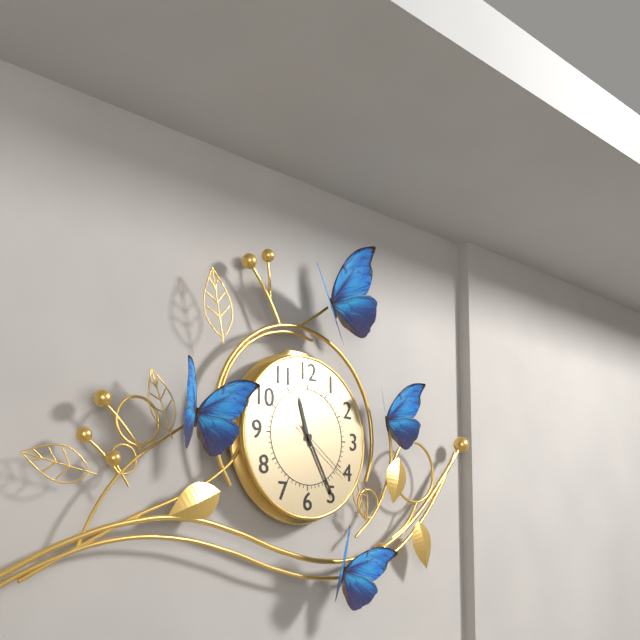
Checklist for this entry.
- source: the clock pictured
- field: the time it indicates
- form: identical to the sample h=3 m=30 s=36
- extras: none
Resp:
h=11 m=25 s=21
